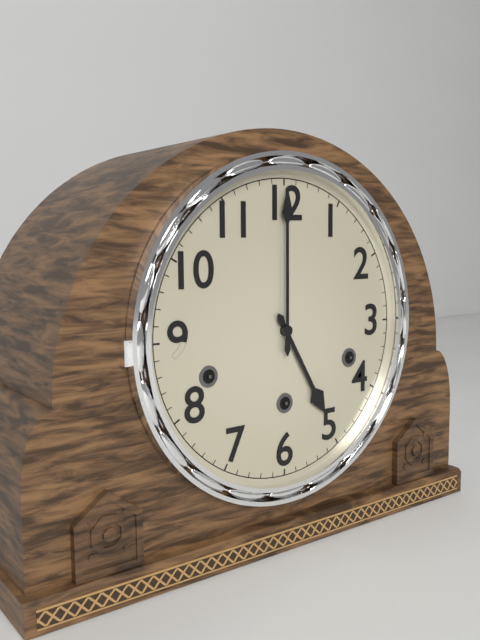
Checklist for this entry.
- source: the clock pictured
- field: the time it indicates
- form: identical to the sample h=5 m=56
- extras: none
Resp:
h=5 m=0
